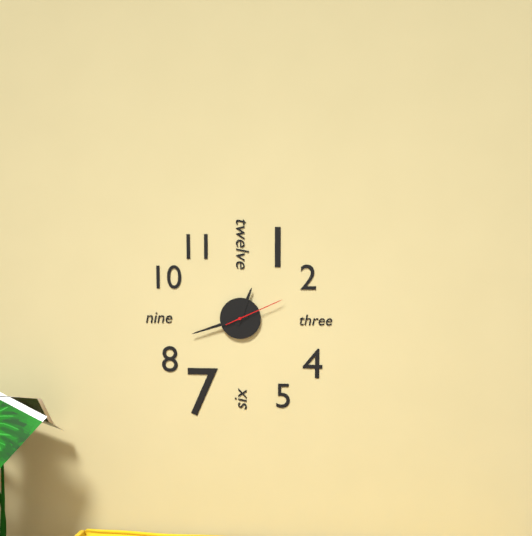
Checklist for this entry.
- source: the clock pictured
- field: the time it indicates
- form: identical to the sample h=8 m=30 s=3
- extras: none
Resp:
h=12 m=42 s=11
